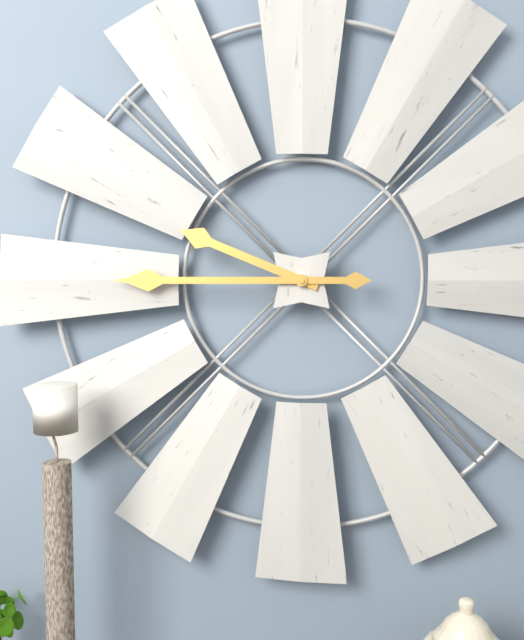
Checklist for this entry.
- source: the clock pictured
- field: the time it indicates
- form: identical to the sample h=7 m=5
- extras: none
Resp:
h=9 m=45
